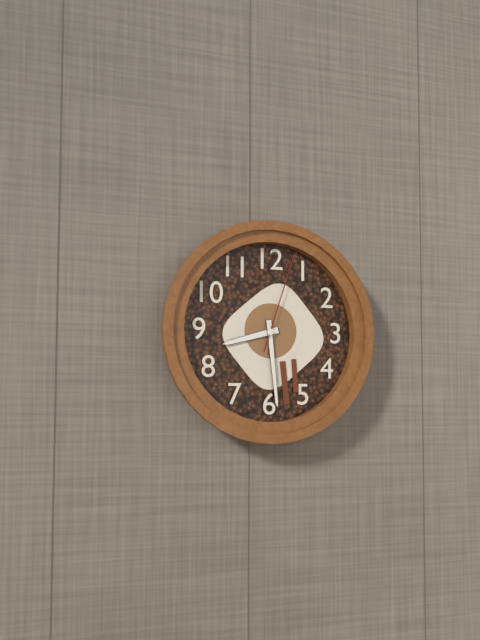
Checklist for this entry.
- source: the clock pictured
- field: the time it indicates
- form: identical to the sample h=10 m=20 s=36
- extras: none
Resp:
h=8 m=29 s=3
